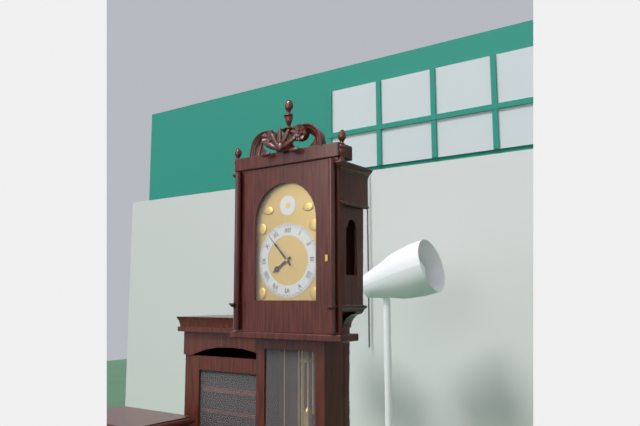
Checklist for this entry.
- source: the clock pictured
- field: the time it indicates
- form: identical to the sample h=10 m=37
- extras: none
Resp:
h=7 m=53
